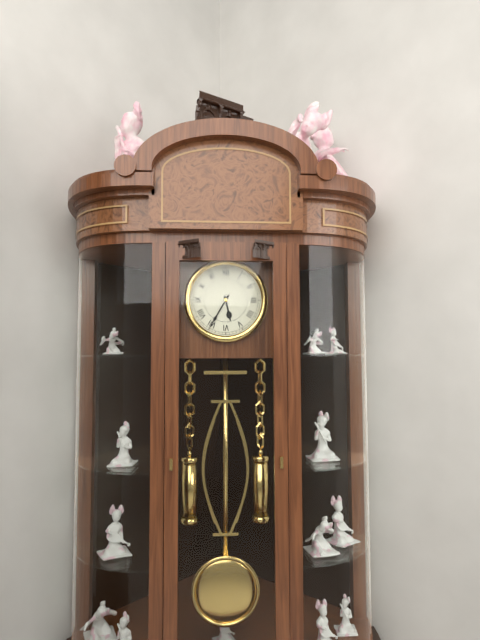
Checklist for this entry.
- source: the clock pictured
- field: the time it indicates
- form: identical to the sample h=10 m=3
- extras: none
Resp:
h=5 m=35
